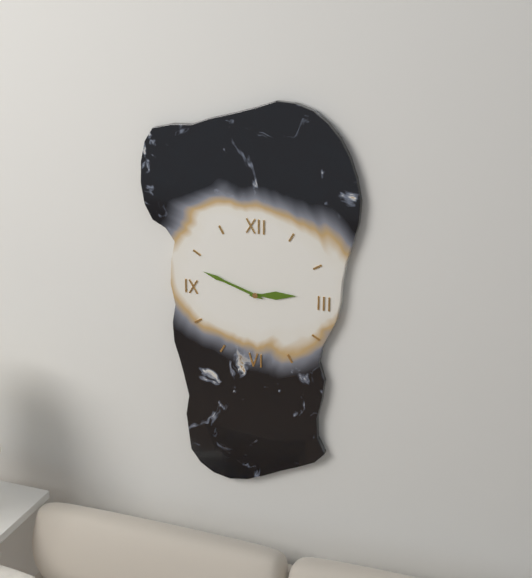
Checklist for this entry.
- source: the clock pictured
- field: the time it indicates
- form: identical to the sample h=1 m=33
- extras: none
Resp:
h=2 m=48
